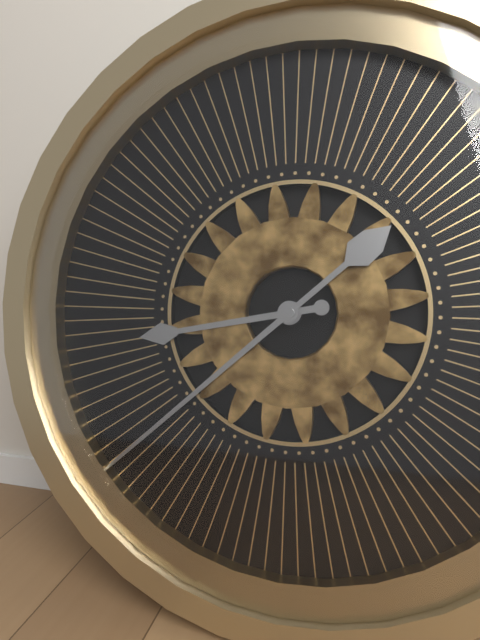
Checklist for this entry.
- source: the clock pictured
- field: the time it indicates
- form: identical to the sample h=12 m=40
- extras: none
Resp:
h=8 m=38
